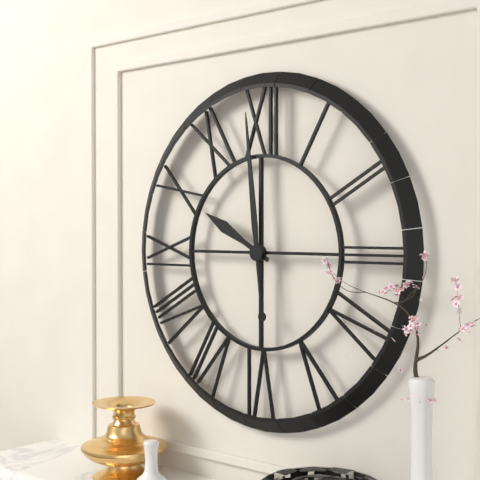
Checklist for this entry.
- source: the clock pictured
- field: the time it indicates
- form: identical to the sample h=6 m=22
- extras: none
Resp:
h=9 m=59
